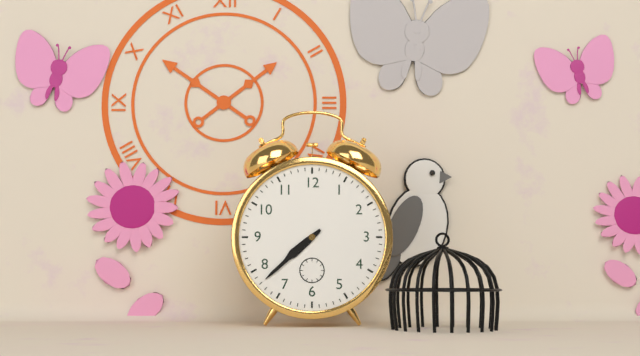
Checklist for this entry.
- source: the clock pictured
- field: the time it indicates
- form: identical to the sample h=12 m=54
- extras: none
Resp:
h=7 m=38
